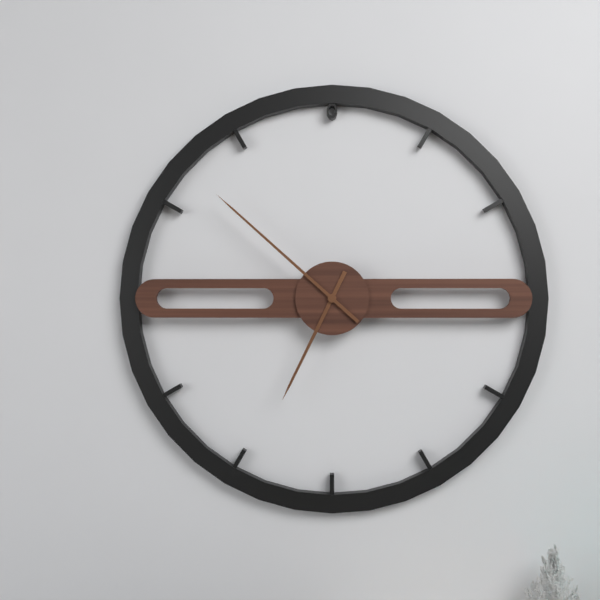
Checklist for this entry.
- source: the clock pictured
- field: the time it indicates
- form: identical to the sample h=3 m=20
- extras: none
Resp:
h=6 m=52
